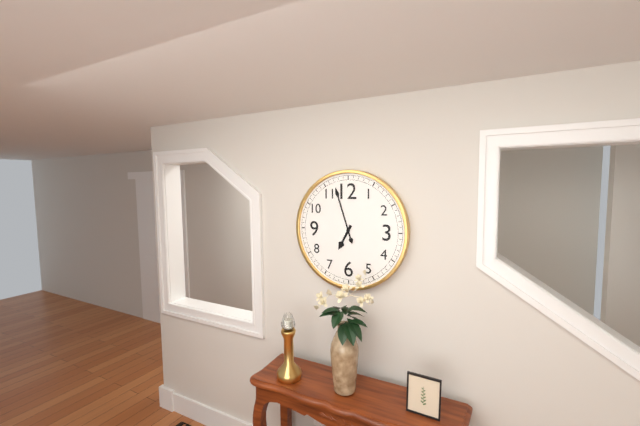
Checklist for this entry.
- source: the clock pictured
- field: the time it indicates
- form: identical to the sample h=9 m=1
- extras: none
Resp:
h=6 m=57
